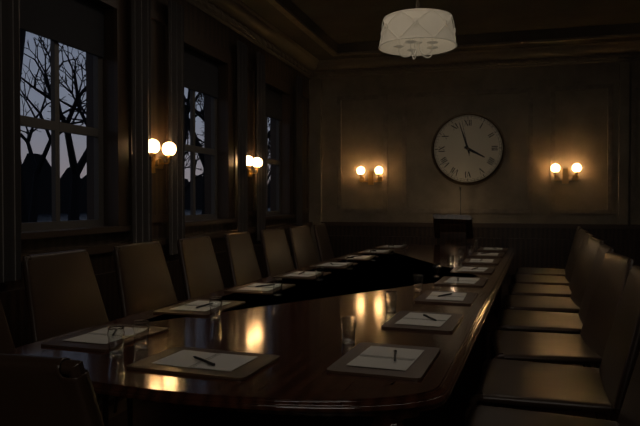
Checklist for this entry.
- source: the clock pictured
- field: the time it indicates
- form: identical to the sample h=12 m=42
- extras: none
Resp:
h=3 m=57
